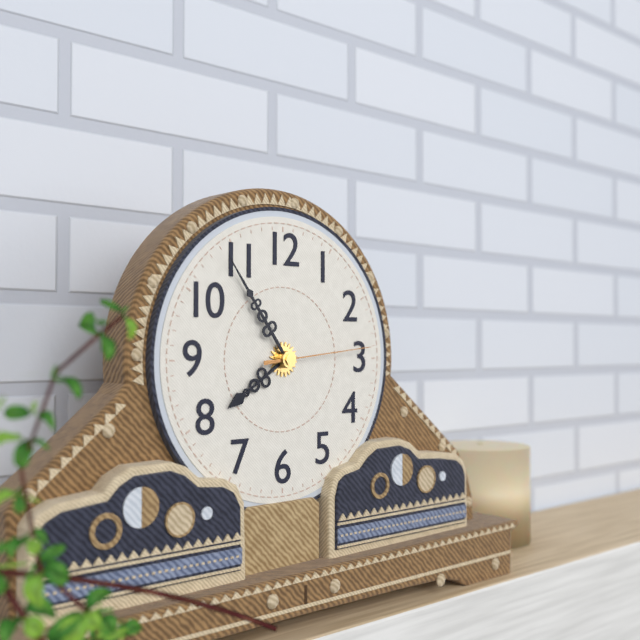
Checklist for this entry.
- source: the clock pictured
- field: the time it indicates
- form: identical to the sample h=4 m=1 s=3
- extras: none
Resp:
h=7 m=54 s=14
